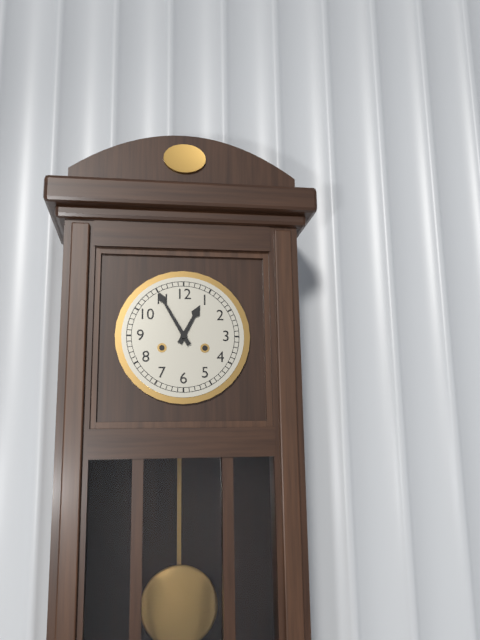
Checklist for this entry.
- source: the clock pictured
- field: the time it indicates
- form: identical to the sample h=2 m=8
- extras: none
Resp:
h=12 m=55
